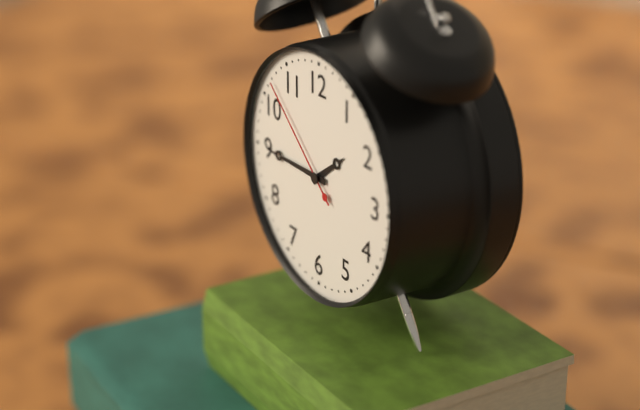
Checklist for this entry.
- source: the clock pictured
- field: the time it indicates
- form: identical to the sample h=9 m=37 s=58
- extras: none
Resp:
h=1 m=45 s=52
